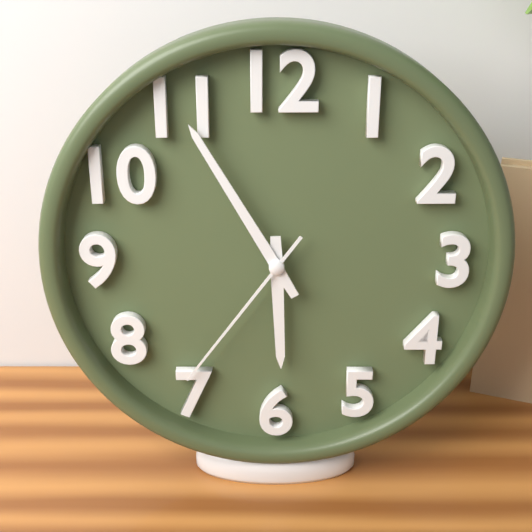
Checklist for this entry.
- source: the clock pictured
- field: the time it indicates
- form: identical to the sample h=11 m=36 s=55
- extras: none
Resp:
h=5 m=55 s=36
